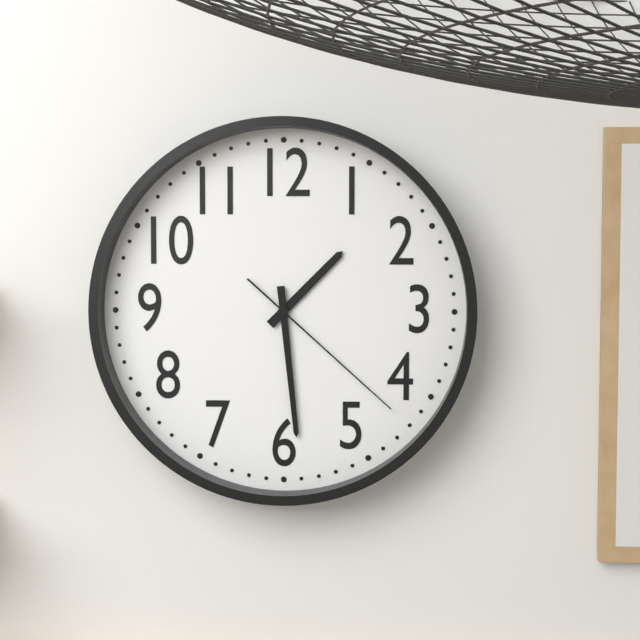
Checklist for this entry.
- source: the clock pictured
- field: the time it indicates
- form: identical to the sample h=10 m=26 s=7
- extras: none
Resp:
h=1 m=29 s=22
